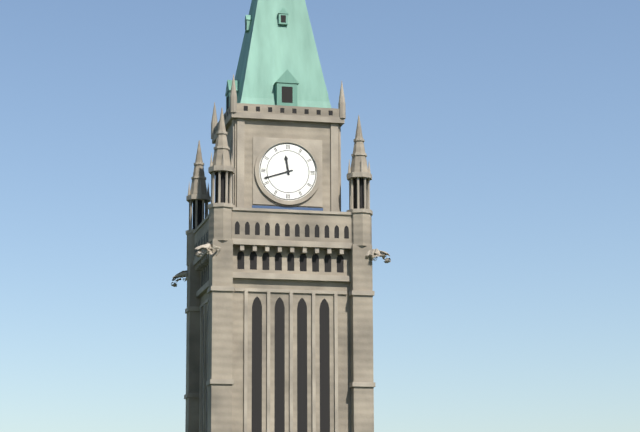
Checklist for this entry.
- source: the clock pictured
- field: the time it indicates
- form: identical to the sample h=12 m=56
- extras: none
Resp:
h=11 m=42
